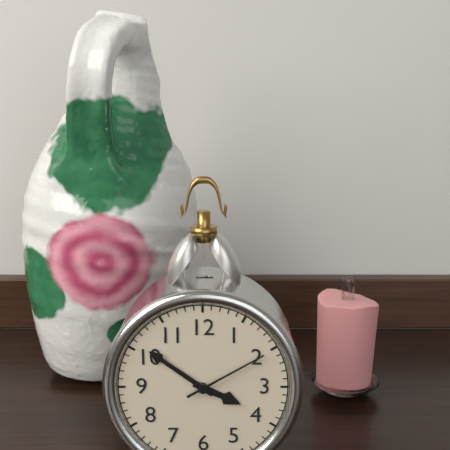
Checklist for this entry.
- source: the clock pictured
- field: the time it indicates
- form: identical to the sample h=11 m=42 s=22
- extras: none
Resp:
h=3 m=51 s=10
